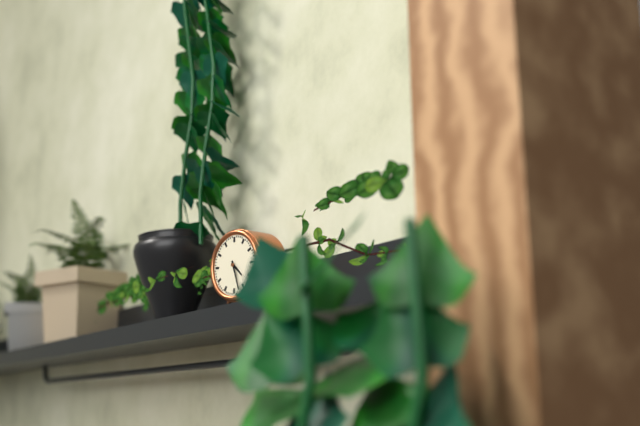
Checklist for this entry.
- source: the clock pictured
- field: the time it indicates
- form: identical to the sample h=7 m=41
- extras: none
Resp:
h=4 m=27
